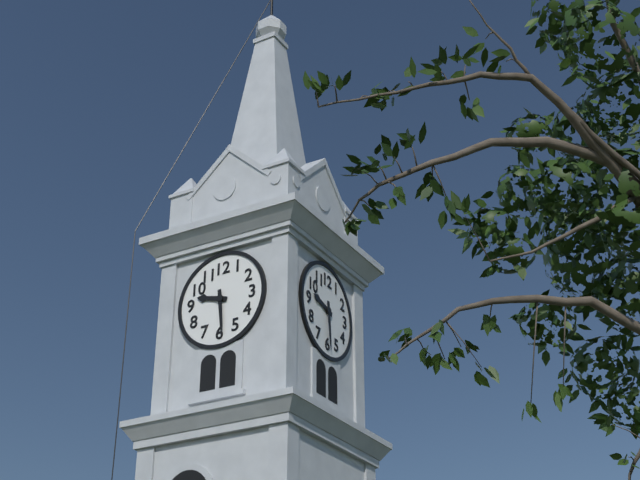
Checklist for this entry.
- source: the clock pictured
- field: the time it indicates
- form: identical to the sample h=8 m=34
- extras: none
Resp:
h=9 m=29
